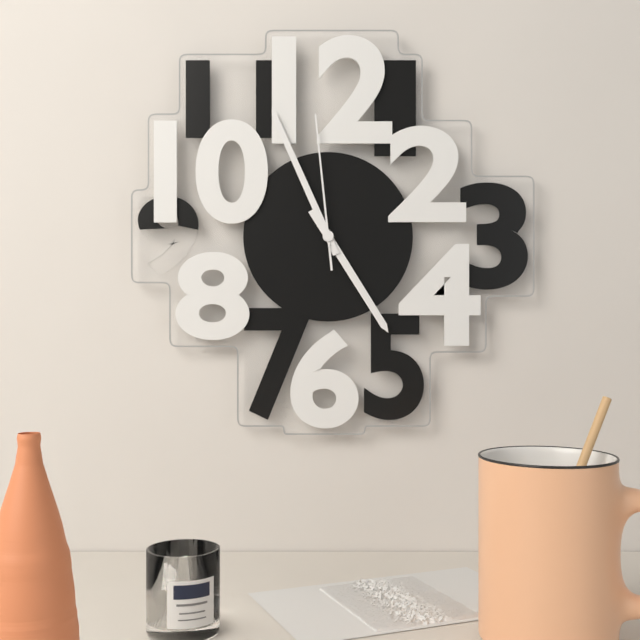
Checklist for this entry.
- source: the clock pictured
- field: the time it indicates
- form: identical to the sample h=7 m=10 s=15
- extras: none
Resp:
h=4 m=56 s=59
